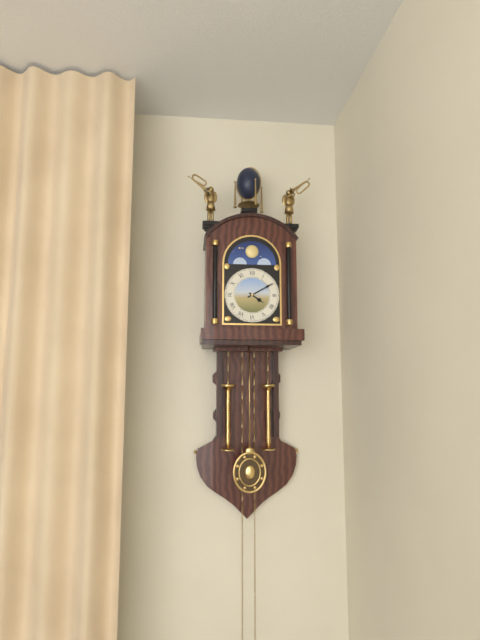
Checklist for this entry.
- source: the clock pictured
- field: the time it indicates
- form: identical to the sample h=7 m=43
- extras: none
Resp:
h=4 m=10
